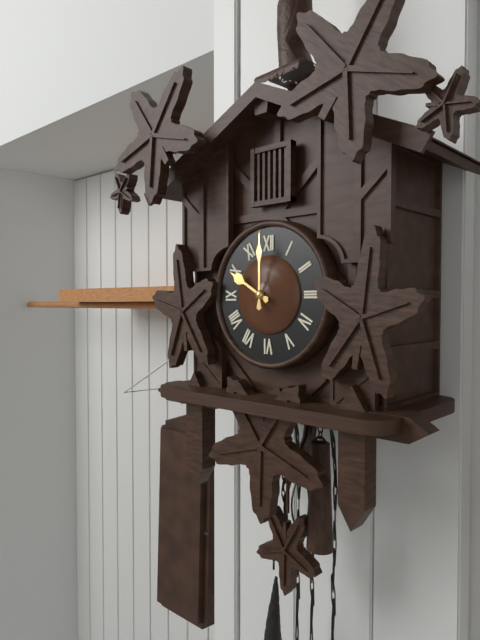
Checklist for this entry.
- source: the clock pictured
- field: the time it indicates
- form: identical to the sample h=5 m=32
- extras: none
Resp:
h=10 m=0
